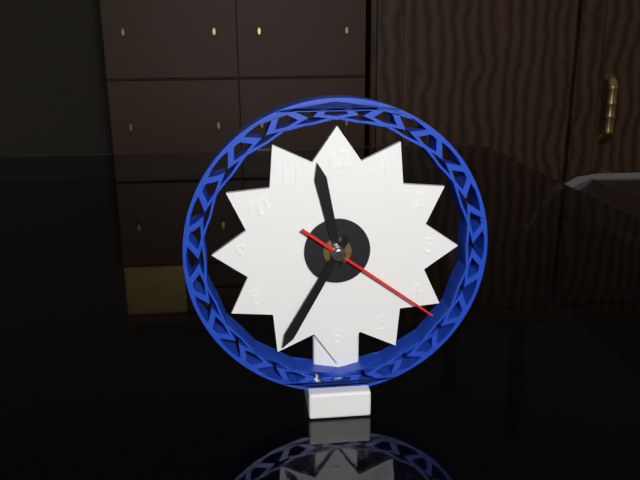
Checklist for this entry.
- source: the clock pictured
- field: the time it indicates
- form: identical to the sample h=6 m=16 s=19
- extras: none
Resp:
h=11 m=35 s=21
